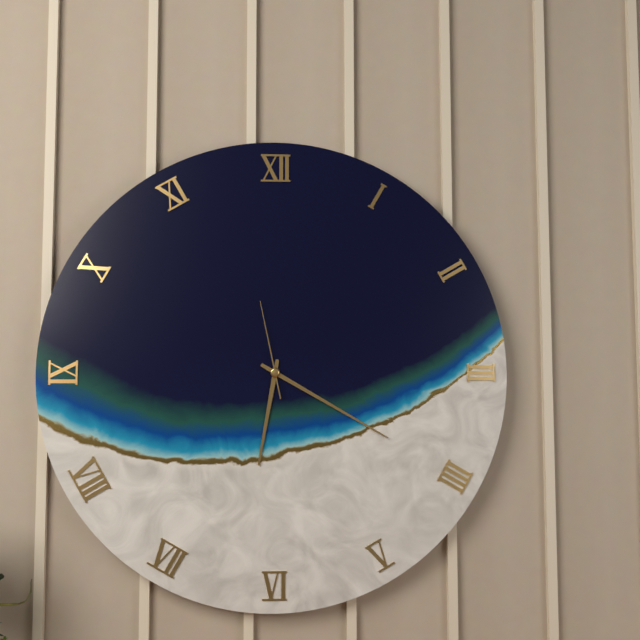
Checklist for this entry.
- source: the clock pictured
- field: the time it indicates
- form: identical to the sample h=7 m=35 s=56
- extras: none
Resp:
h=6 m=20 s=58
